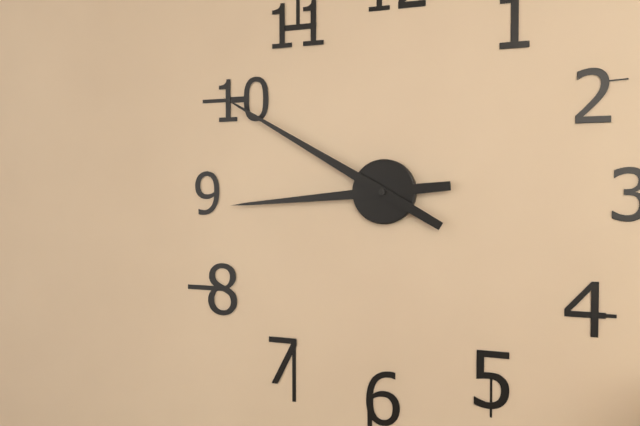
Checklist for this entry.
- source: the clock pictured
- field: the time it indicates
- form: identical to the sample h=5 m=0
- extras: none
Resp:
h=8 m=50
